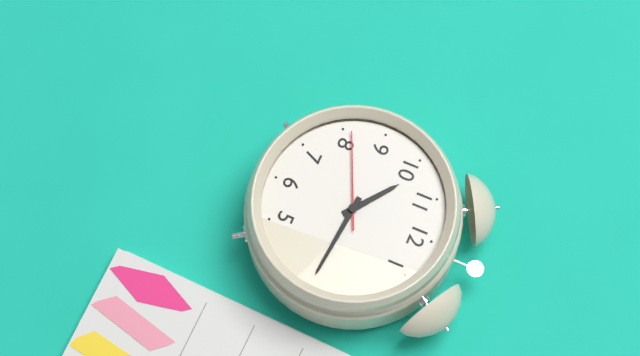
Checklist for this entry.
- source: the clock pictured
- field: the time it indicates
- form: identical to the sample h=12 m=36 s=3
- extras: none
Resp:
h=10 m=16 s=41
